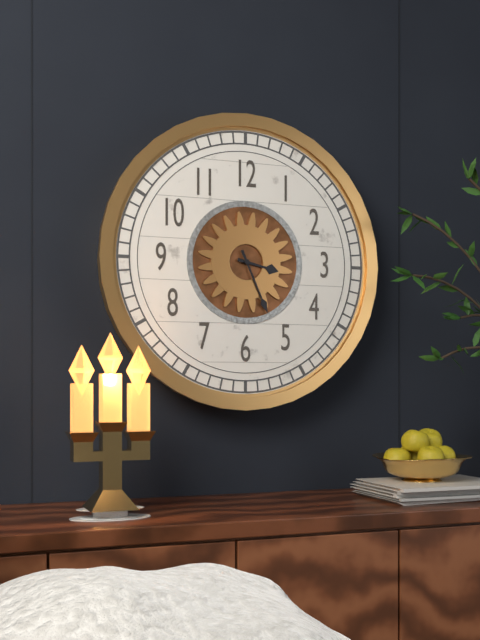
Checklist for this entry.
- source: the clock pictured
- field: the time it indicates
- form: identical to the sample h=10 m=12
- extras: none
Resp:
h=3 m=26
